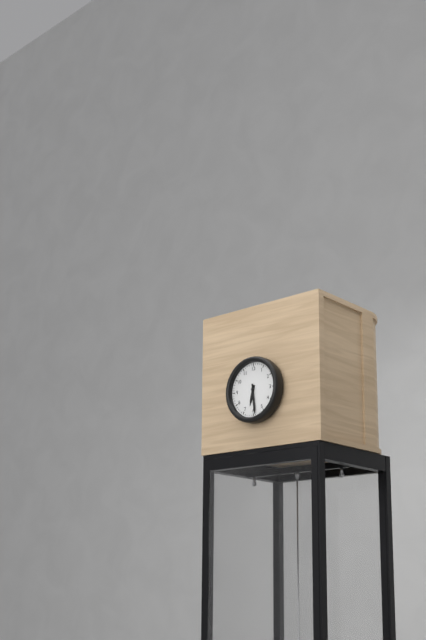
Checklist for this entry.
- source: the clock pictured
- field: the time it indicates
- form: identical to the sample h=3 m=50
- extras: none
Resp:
h=6 m=29
